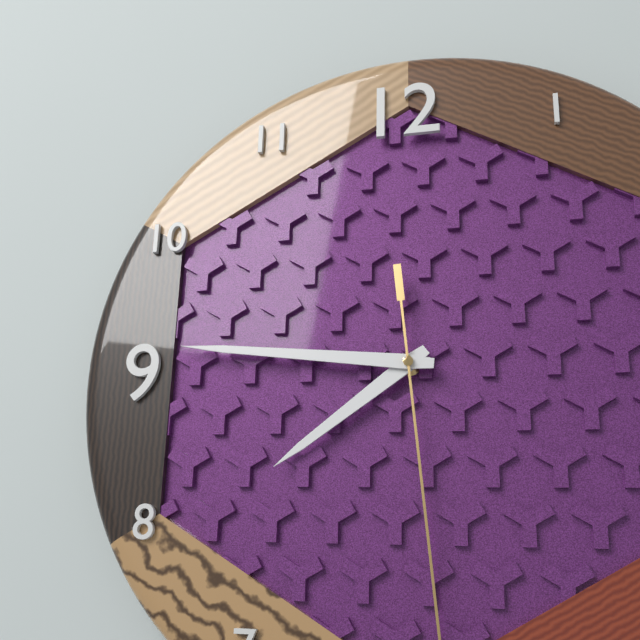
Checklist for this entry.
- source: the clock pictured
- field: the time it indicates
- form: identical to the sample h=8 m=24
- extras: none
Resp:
h=7 m=46
